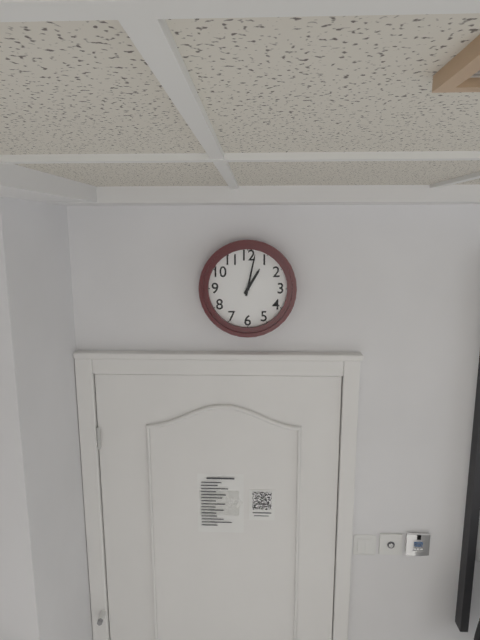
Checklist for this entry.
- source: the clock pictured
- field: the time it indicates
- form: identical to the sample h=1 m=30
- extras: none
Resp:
h=1 m=2
